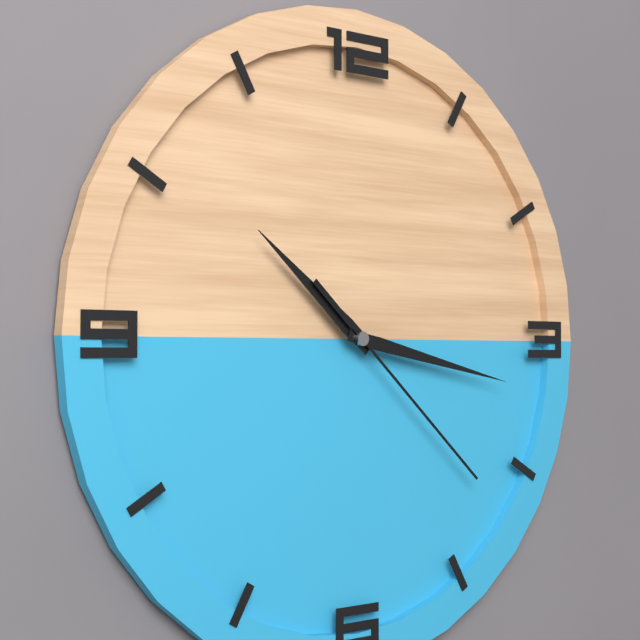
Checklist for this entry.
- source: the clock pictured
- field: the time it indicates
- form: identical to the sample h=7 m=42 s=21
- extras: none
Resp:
h=10 m=17 s=22
